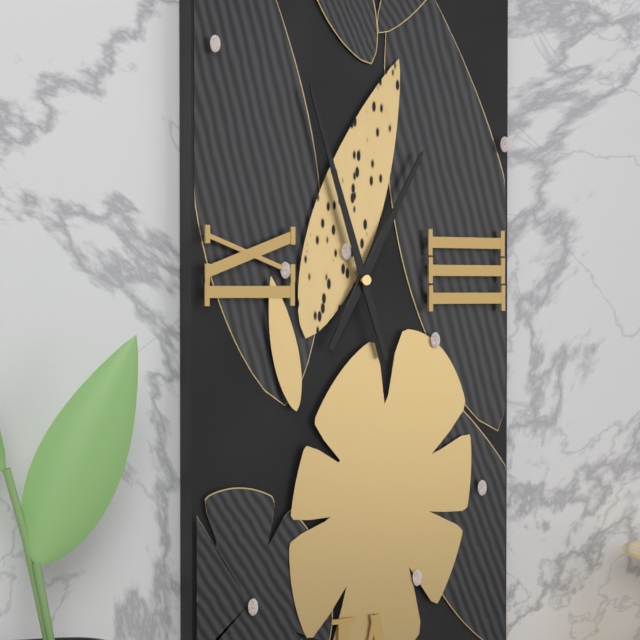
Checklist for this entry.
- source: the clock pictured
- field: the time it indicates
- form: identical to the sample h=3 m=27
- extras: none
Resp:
h=12 m=57
